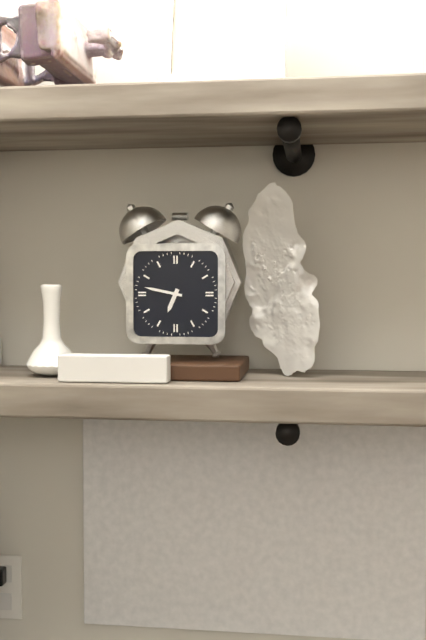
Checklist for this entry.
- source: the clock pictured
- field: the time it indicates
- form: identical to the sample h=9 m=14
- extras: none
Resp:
h=6 m=47
